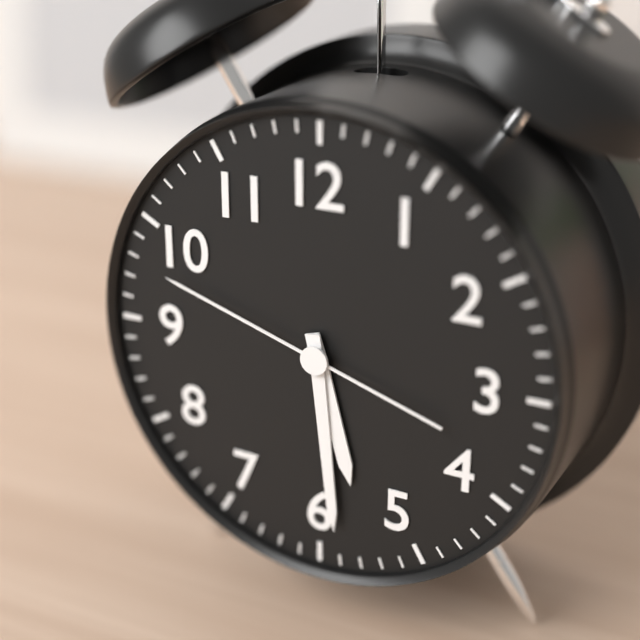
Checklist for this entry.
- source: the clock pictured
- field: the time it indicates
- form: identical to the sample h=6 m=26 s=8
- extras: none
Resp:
h=5 m=29 s=48
